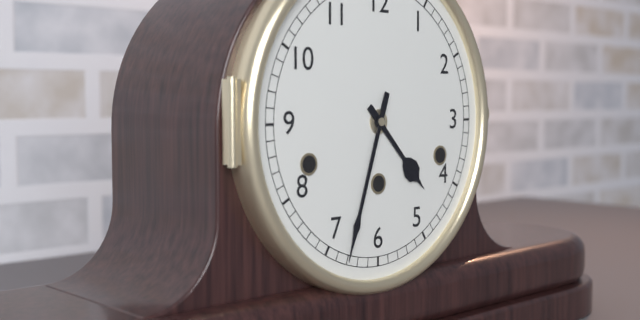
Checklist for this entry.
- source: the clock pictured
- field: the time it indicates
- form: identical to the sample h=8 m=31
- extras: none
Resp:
h=4 m=33
